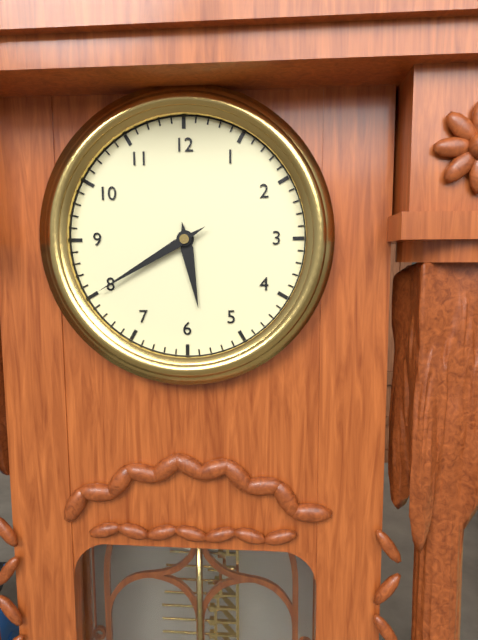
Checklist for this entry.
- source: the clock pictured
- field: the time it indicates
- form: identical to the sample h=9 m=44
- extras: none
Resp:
h=5 m=40
